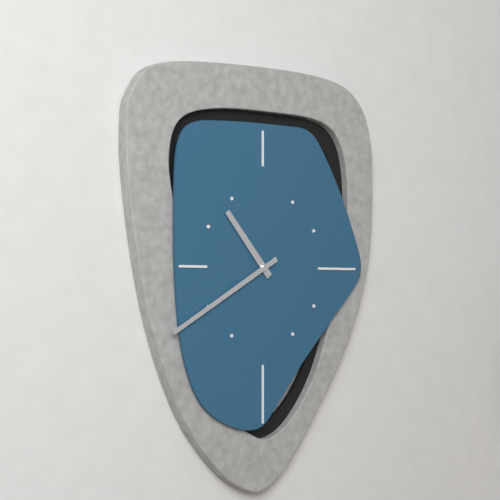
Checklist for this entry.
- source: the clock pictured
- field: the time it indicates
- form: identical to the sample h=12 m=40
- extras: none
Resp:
h=10 m=40
